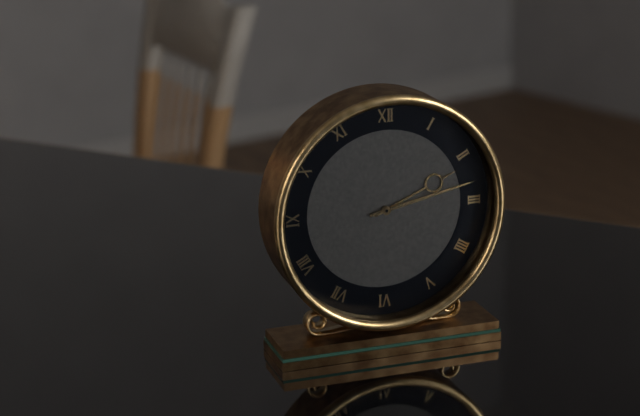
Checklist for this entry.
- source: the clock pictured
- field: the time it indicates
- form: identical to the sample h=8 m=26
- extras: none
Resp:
h=2 m=13
